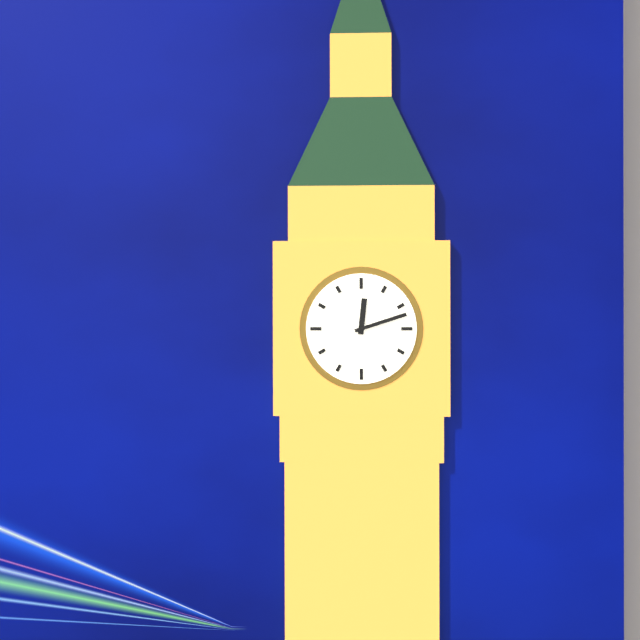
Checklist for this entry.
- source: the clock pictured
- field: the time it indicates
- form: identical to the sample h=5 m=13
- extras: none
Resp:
h=12 m=12
